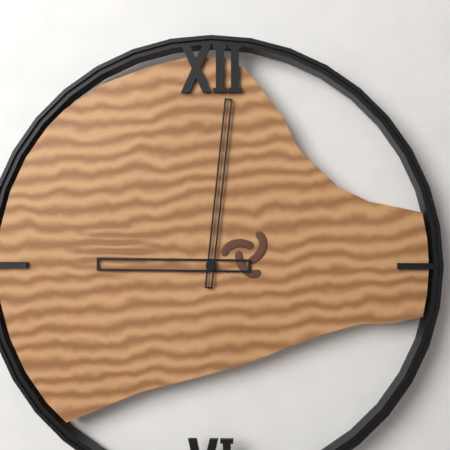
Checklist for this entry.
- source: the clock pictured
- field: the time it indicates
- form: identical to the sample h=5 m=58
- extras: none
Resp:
h=9 m=1
